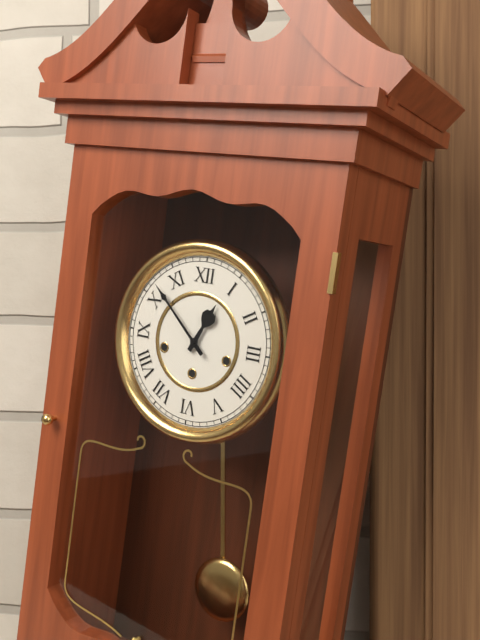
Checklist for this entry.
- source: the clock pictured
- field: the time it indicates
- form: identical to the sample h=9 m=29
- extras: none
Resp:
h=12 m=52
